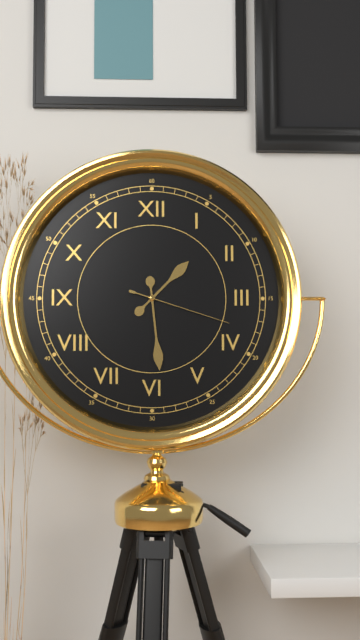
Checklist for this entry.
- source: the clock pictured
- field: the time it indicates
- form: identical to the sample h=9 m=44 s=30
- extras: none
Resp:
h=1 m=29 s=18
